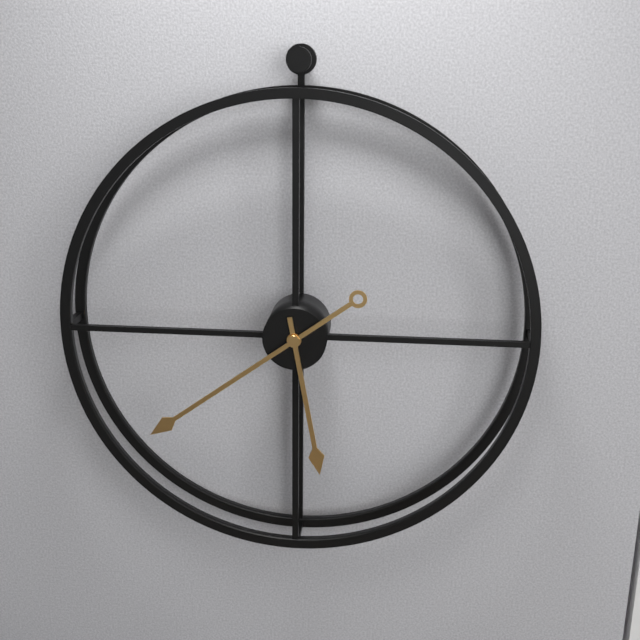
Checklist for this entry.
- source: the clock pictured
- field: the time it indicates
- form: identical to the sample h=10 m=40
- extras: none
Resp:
h=5 m=39
